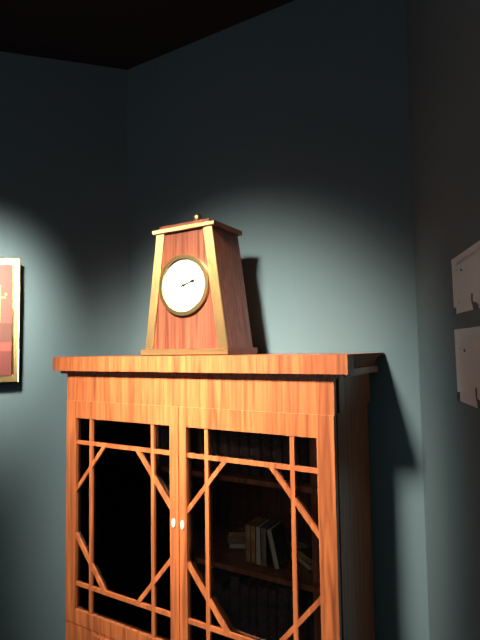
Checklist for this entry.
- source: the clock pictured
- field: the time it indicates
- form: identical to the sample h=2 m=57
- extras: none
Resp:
h=2 m=25
